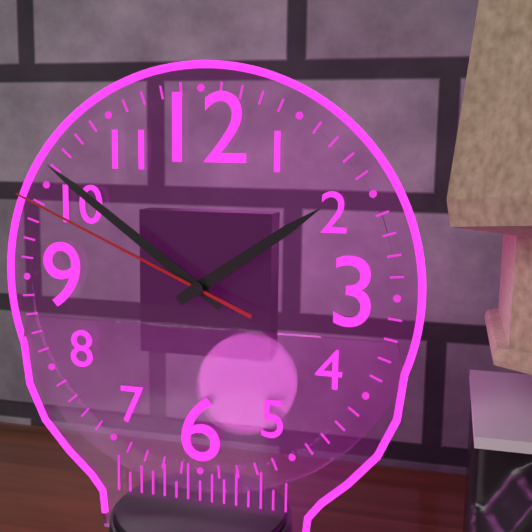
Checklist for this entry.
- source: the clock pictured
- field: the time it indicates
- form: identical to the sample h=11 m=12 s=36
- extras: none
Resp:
h=1 m=51 s=49
